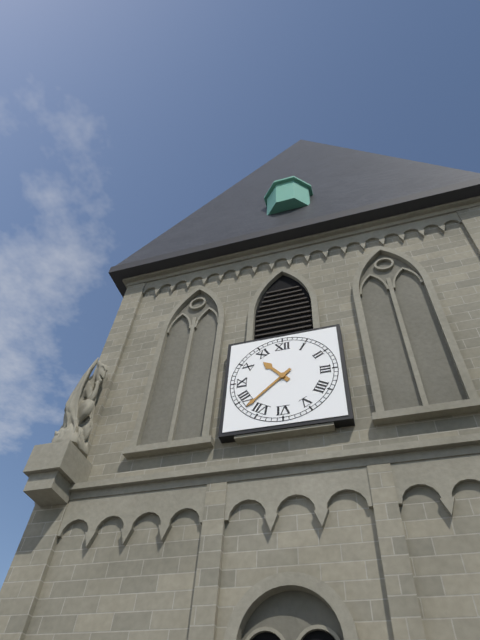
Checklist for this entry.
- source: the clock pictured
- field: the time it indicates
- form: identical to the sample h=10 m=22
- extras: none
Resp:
h=10 m=38
